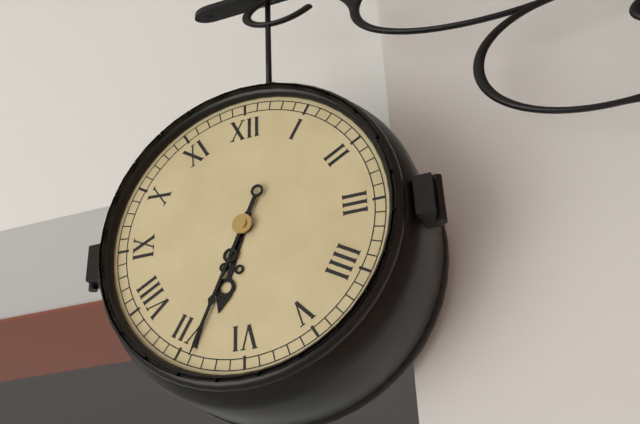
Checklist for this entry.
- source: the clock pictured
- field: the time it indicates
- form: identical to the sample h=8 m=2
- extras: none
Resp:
h=6 m=34
